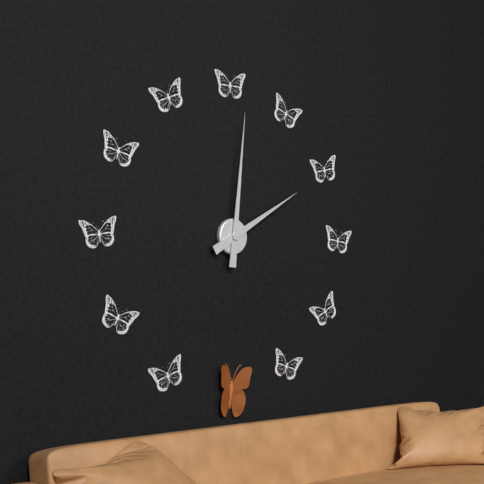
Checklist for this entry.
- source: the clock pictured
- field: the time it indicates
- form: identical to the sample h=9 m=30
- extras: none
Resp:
h=2 m=1
